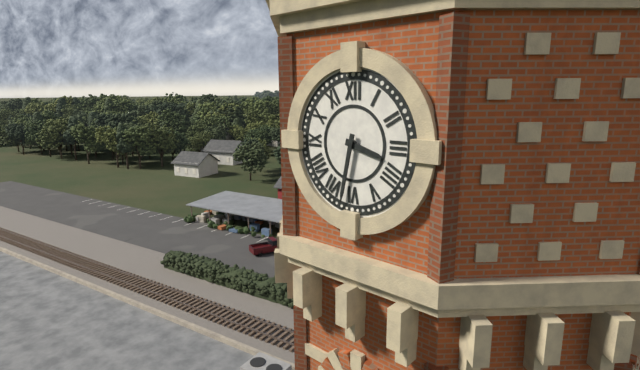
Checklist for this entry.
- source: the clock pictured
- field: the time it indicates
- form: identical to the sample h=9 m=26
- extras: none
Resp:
h=3 m=32
